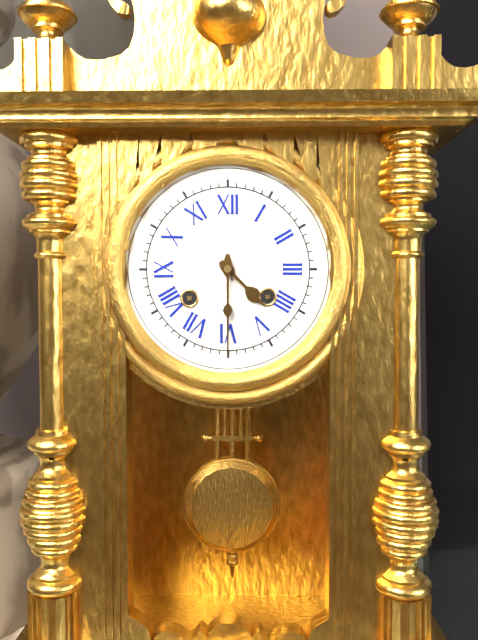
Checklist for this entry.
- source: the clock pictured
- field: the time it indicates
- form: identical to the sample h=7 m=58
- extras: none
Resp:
h=4 m=30
